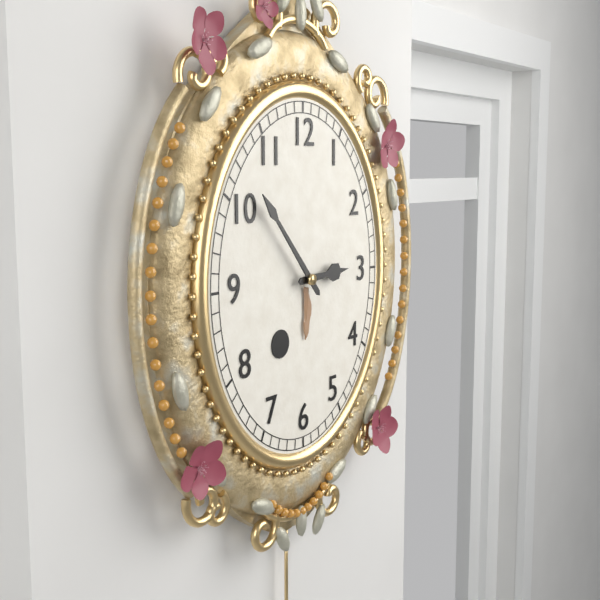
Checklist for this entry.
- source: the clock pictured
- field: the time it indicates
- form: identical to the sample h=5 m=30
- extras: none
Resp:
h=2 m=53
